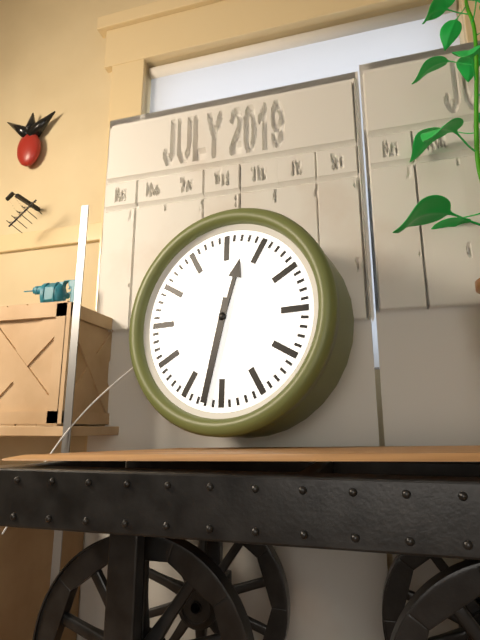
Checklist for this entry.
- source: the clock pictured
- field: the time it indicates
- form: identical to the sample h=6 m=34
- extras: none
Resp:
h=12 m=32
